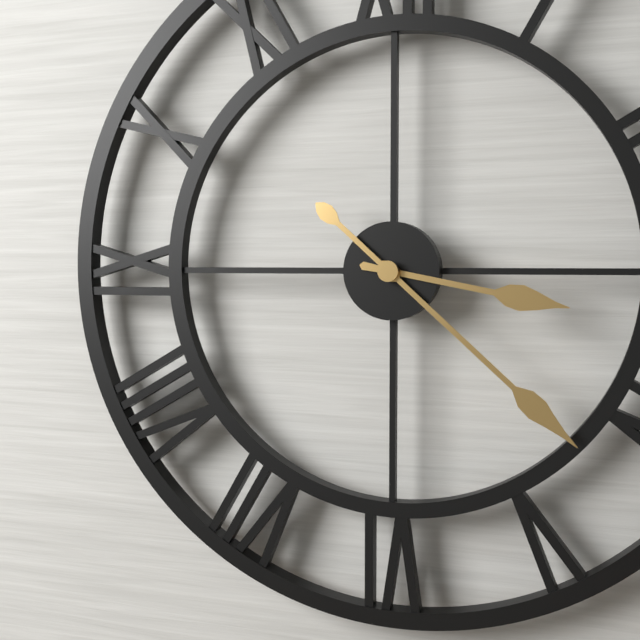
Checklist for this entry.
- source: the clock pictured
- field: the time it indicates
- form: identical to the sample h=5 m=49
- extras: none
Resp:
h=3 m=22
